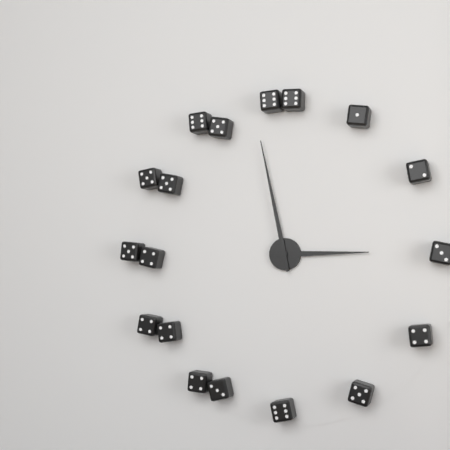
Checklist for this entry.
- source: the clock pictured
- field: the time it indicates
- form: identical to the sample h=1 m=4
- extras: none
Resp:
h=2 m=58
